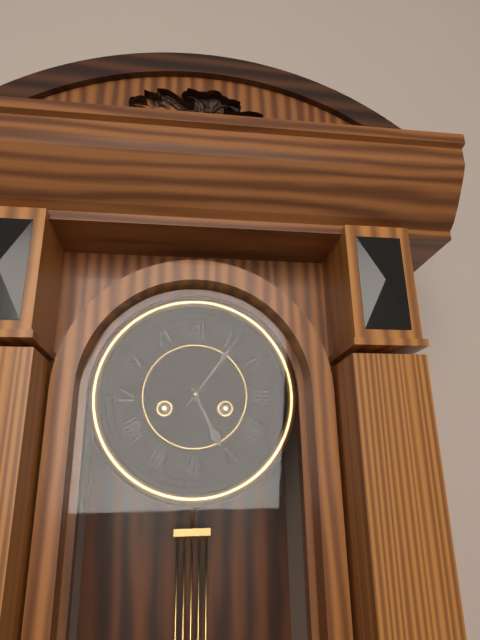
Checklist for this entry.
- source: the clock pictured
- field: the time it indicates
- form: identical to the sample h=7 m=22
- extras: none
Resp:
h=5 m=6
